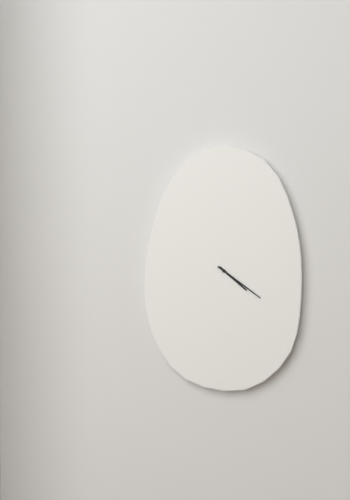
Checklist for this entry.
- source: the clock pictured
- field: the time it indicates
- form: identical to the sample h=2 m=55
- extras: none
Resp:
h=4 m=21
